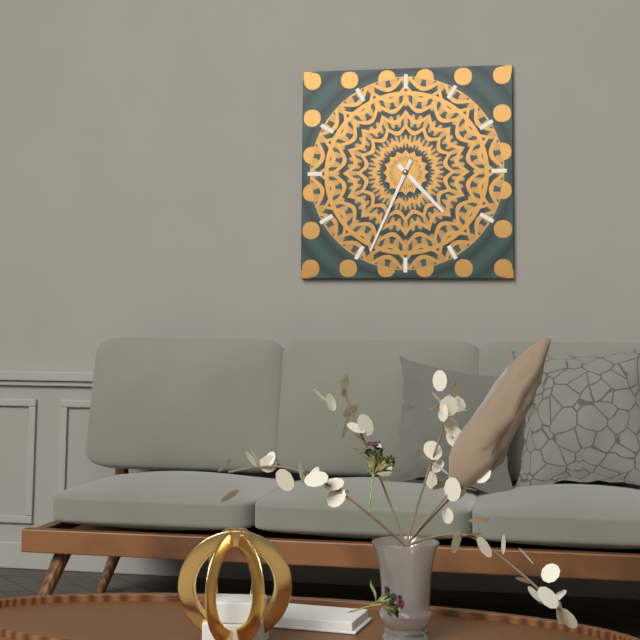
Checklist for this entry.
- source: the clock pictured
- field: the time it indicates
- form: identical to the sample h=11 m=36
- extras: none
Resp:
h=4 m=34
